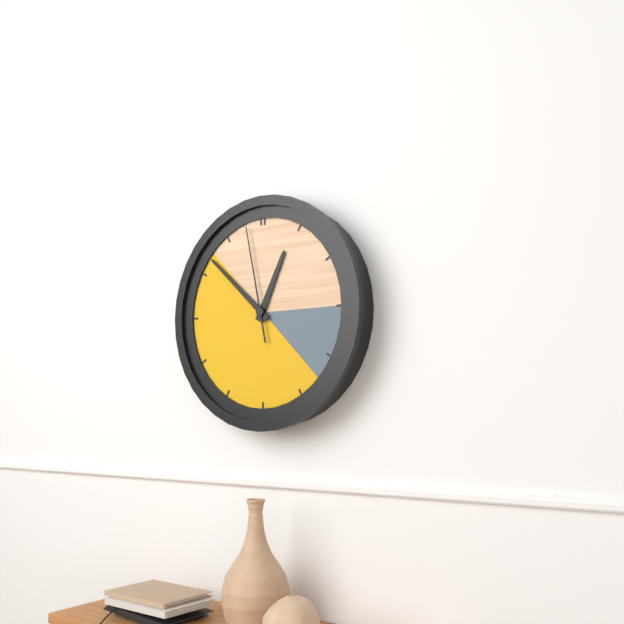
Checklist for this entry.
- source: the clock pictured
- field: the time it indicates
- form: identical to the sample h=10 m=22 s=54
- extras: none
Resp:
h=12 m=52 s=58
